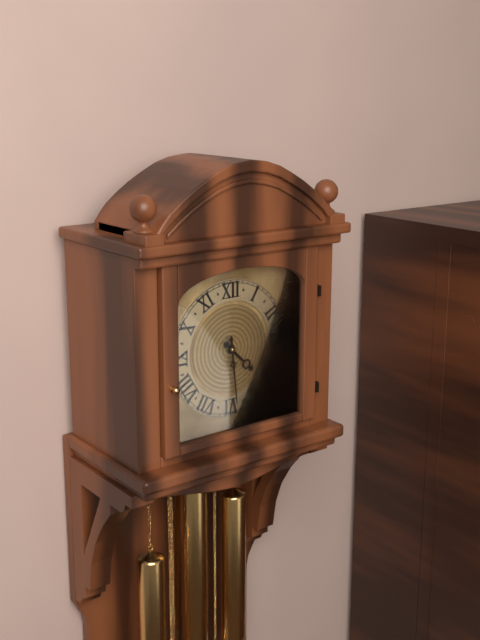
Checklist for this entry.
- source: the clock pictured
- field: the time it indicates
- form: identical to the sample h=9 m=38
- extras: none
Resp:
h=4 m=29
